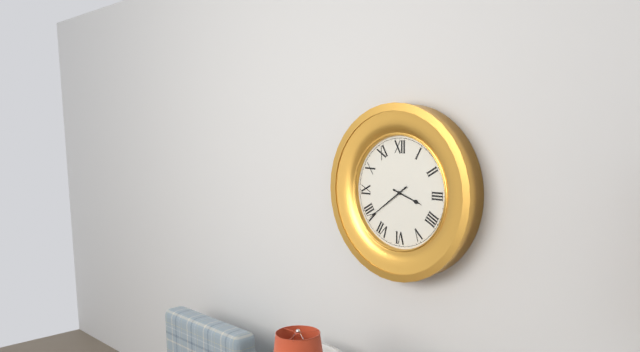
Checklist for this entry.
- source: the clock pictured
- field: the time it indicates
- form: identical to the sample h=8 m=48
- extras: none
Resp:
h=3 m=39
